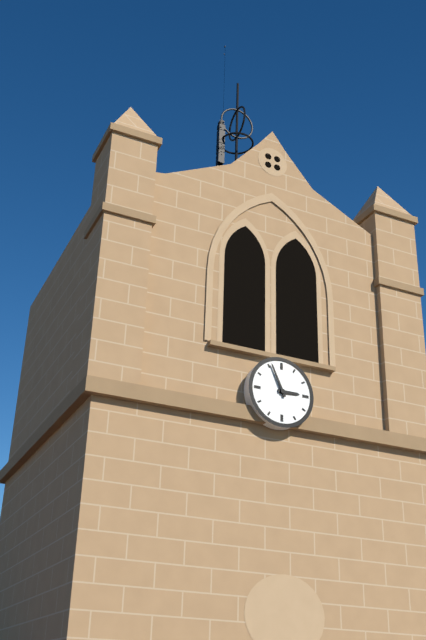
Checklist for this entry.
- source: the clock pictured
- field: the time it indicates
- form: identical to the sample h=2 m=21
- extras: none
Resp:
h=2 m=56
